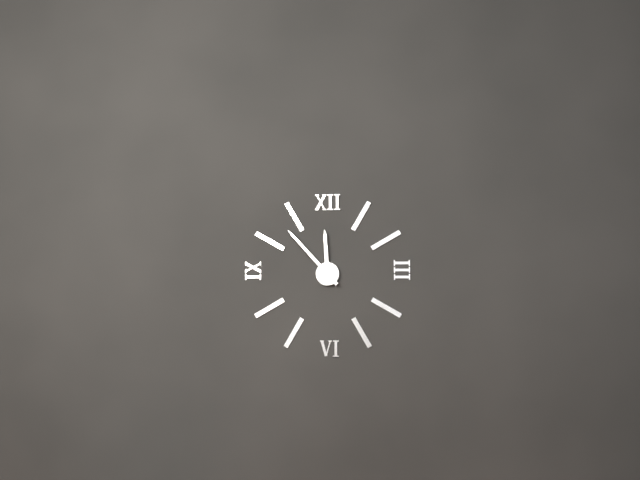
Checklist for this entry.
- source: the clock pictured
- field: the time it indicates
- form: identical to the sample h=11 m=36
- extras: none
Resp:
h=11 m=53
